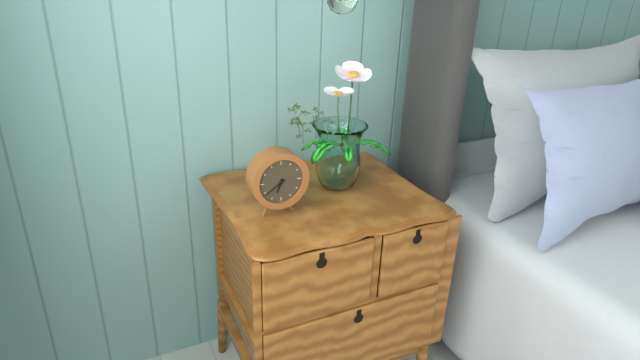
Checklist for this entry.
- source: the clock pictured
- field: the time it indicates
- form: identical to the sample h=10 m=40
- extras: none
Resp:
h=6 m=39
